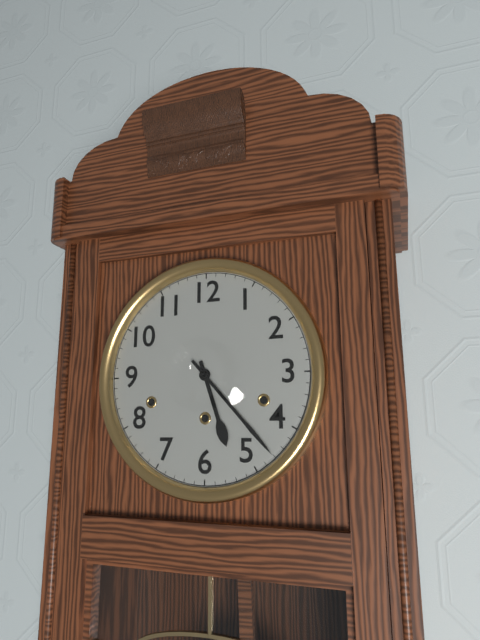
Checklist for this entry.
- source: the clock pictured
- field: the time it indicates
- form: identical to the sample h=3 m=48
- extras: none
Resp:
h=5 m=23
